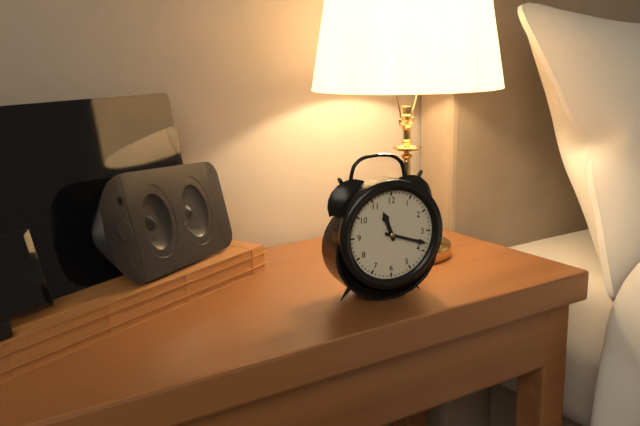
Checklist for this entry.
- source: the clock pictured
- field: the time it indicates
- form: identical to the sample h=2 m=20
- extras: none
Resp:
h=11 m=18
